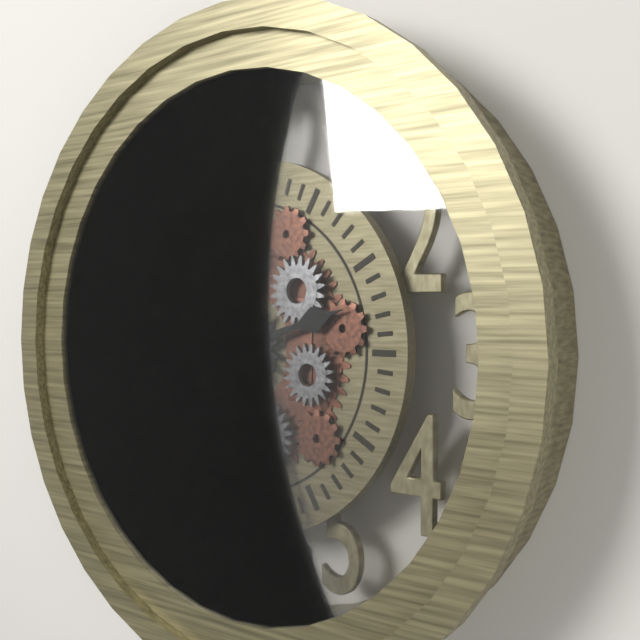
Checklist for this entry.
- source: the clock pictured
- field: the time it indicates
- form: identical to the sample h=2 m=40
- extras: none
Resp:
h=2 m=26
